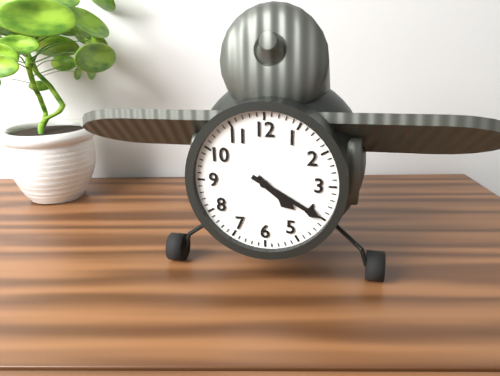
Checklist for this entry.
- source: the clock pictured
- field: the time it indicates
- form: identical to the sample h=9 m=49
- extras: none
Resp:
h=4 m=20
